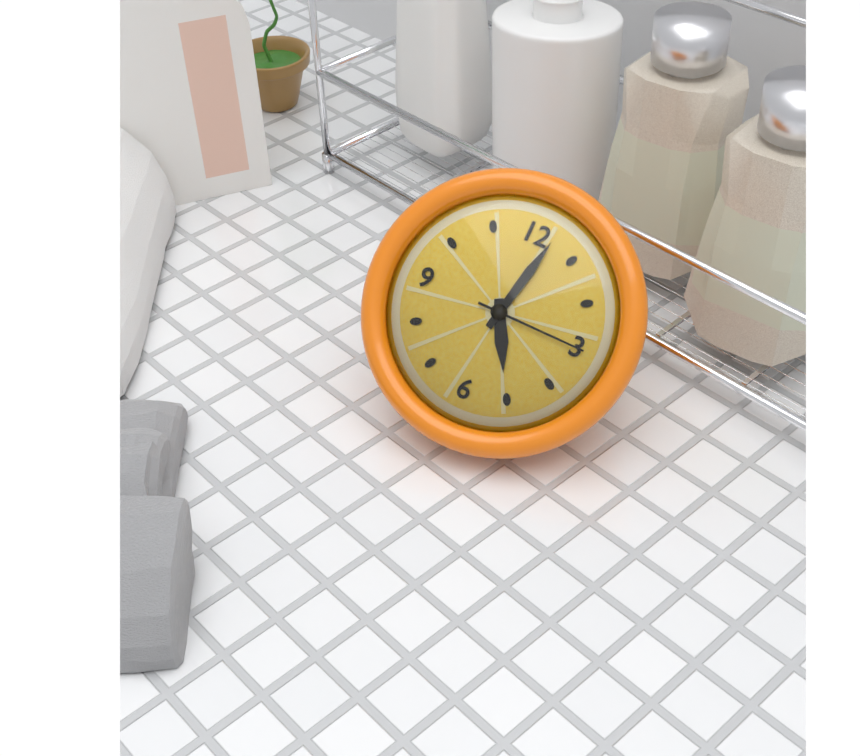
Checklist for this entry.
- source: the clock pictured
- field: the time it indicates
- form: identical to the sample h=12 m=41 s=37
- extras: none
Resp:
h=5 m=2 s=15
